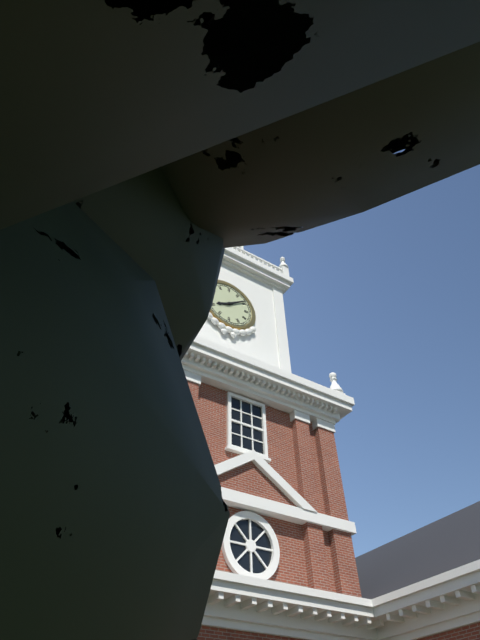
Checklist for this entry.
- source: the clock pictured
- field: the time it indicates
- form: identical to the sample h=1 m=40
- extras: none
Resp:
h=8 m=9
